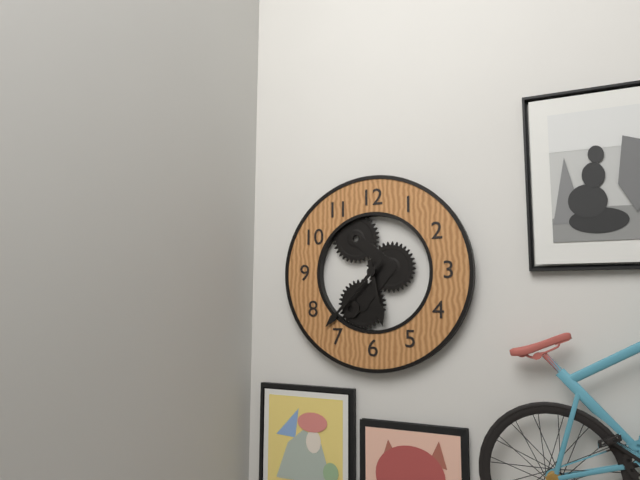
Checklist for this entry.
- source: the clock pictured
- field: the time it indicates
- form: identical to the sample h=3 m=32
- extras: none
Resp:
h=5 m=37
